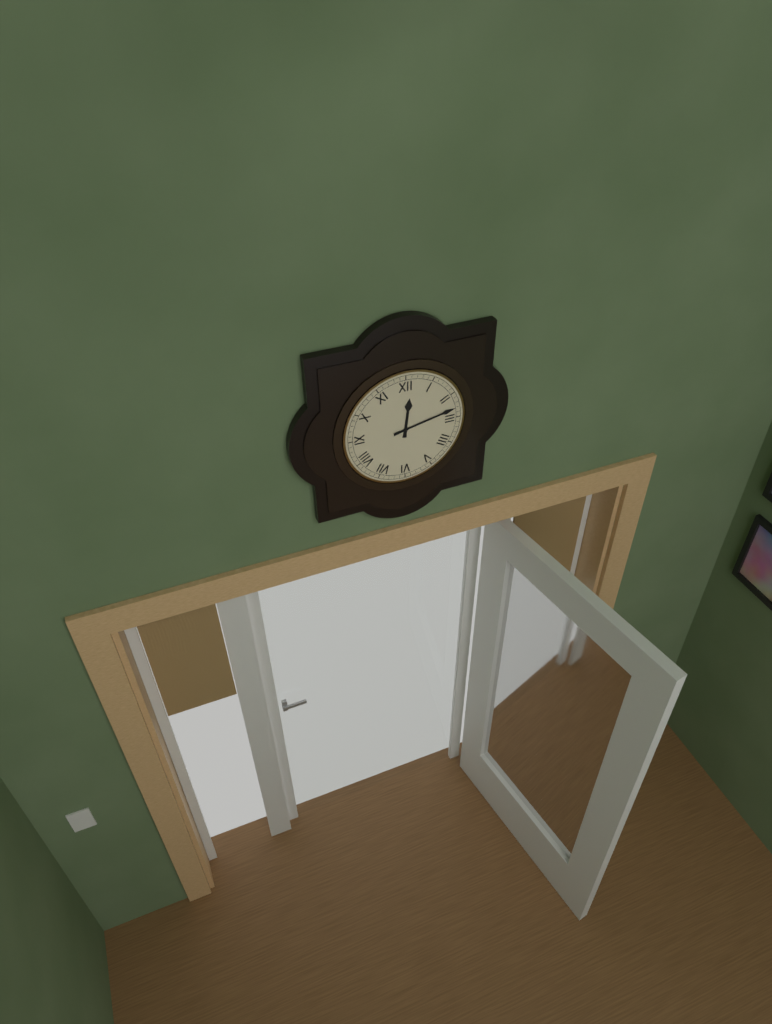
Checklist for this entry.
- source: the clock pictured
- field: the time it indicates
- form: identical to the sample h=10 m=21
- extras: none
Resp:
h=12 m=13
